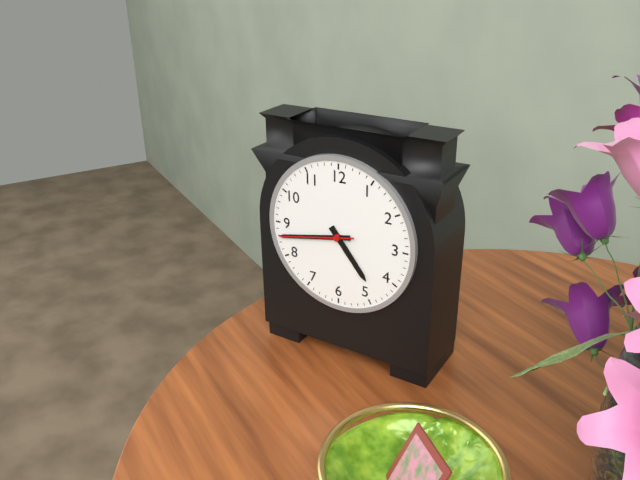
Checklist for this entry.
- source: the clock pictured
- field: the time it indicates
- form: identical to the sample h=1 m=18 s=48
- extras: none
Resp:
h=4 m=43 s=43
